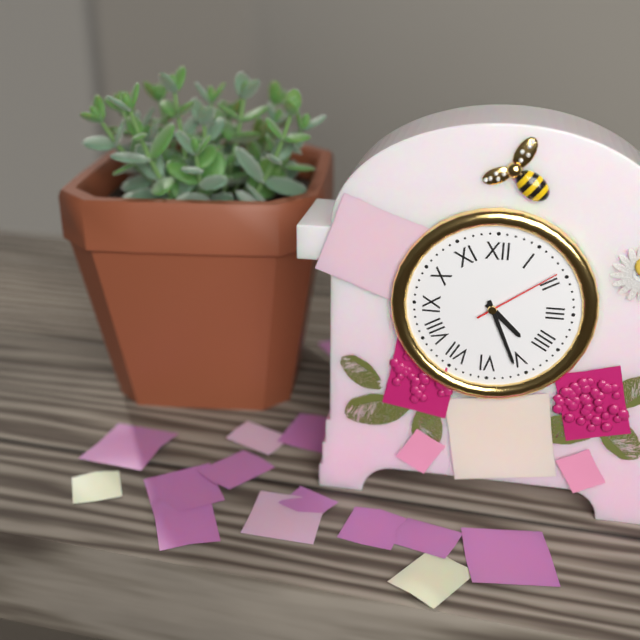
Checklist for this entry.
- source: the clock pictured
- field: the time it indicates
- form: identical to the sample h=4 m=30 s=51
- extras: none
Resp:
h=4 m=26 s=9
